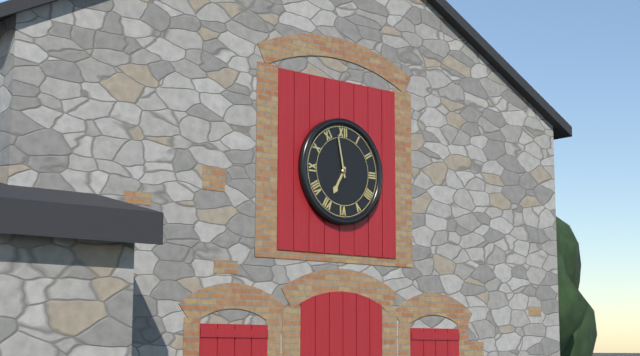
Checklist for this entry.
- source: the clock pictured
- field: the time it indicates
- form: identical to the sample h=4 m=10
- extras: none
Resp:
h=6 m=58
